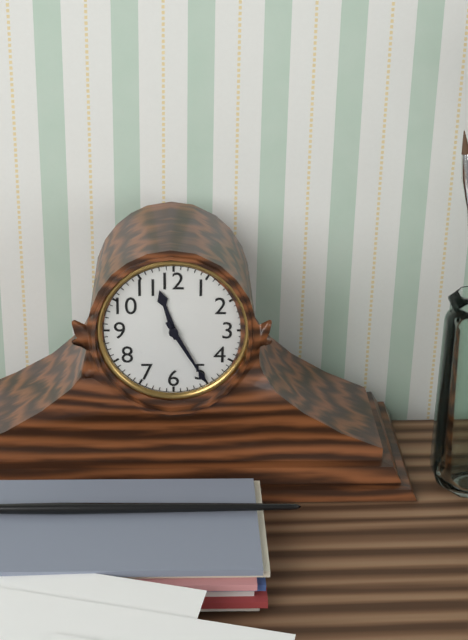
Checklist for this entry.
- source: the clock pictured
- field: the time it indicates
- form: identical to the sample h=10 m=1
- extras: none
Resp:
h=11 m=25
